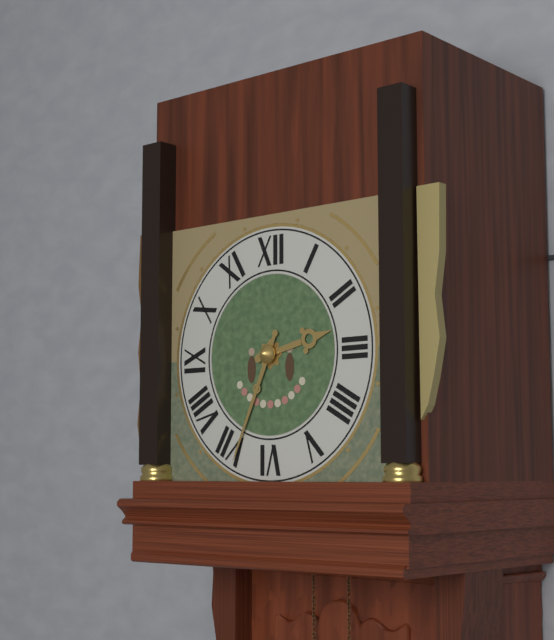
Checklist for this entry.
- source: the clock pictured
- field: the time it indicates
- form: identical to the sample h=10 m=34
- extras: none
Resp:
h=2 m=34
